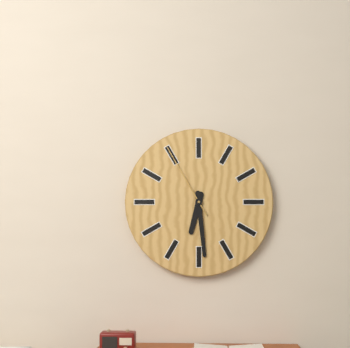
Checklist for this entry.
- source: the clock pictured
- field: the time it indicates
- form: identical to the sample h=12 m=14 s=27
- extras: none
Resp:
h=6 m=29 s=55
